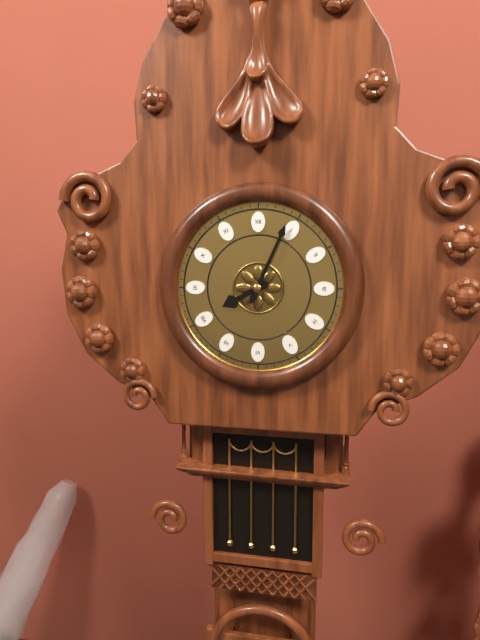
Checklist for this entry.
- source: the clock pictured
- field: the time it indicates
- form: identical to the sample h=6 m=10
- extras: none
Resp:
h=8 m=4
